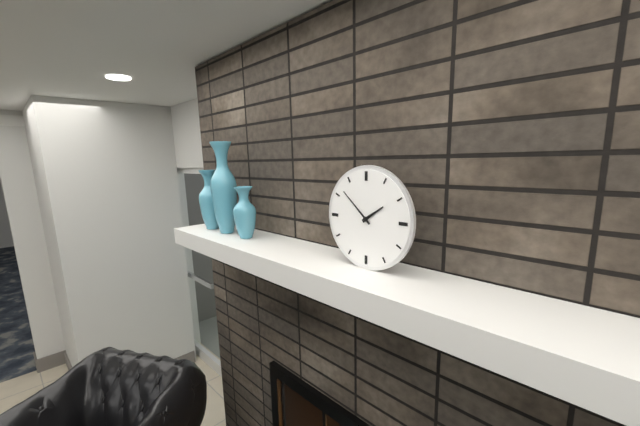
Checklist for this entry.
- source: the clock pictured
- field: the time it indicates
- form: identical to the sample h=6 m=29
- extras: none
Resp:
h=1 m=52
